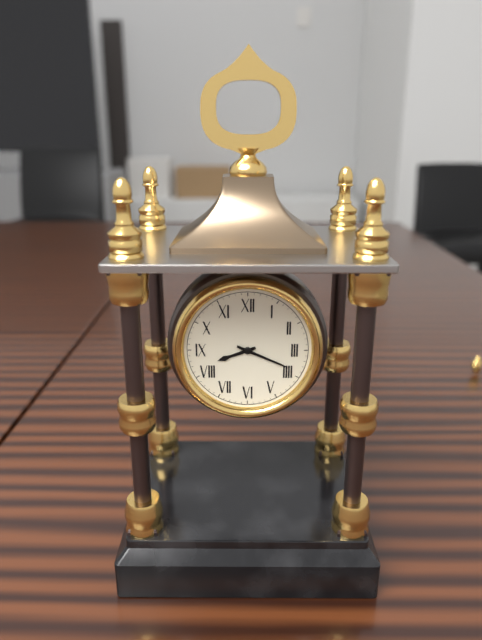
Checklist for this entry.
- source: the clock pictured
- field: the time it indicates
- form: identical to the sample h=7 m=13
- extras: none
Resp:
h=8 m=19
